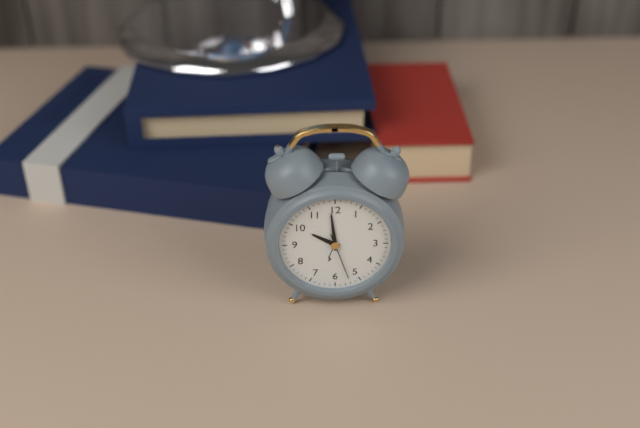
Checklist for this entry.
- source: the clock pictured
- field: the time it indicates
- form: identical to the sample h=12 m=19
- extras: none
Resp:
h=9 m=59
